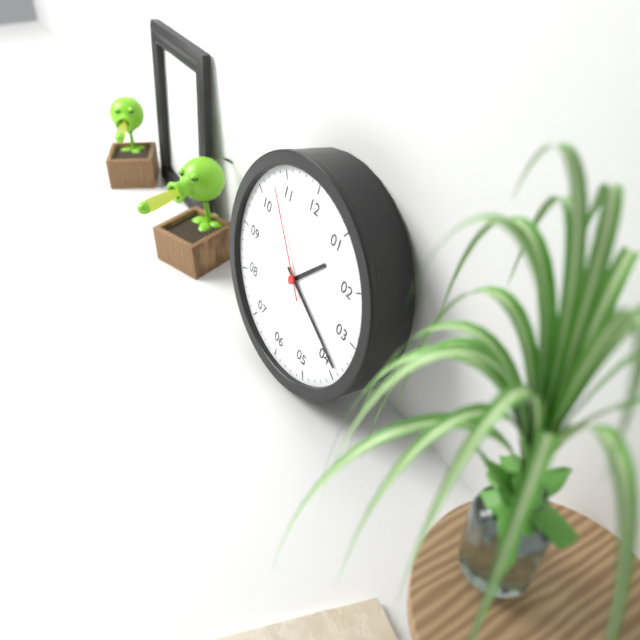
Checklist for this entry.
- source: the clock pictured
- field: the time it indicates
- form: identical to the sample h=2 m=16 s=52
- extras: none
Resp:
h=1 m=19 s=53
